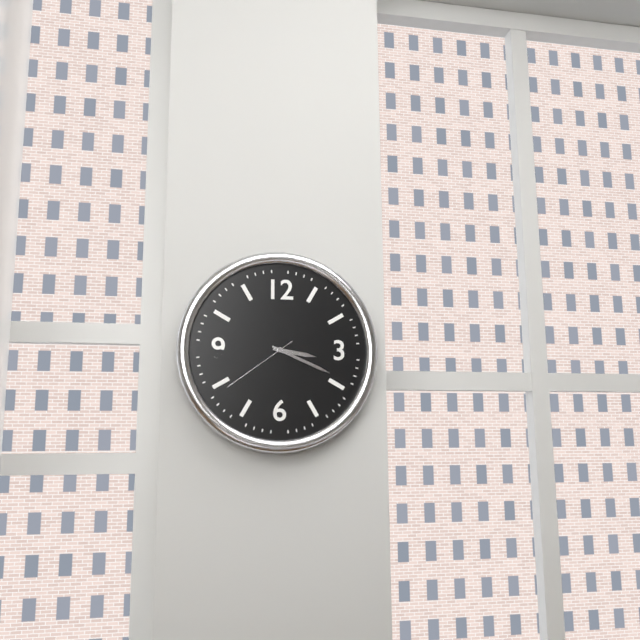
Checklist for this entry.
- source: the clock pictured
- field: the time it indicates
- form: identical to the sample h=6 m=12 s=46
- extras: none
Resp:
h=3 m=19 s=39
